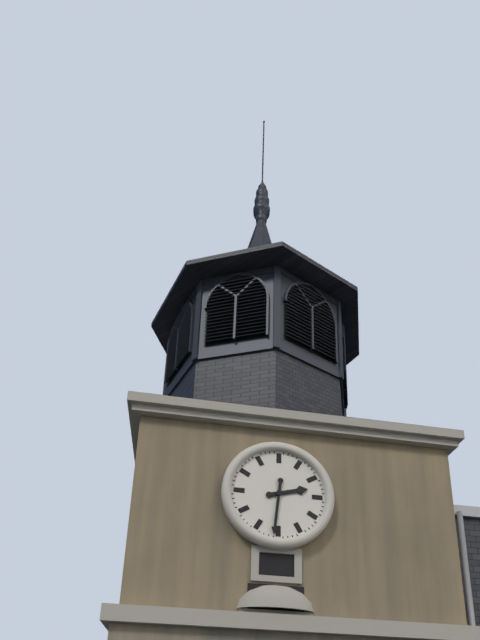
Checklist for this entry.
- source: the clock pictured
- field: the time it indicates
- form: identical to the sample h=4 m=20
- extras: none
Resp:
h=2 m=31
